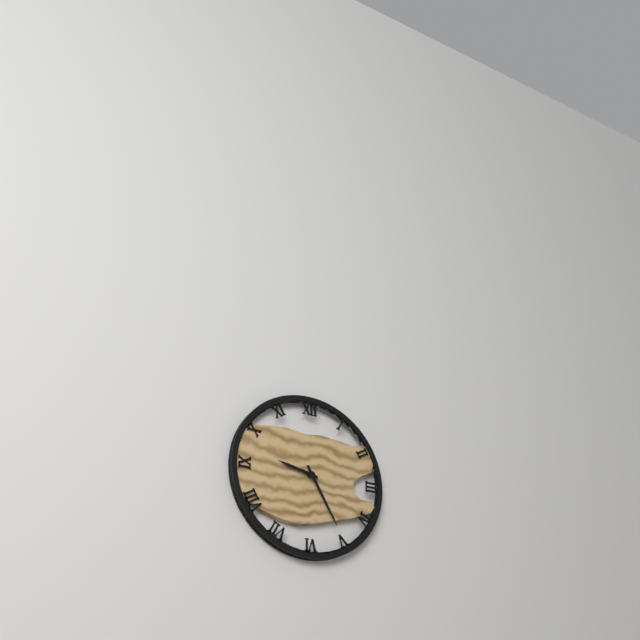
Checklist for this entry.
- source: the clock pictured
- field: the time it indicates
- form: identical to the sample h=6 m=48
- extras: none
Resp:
h=9 m=25
